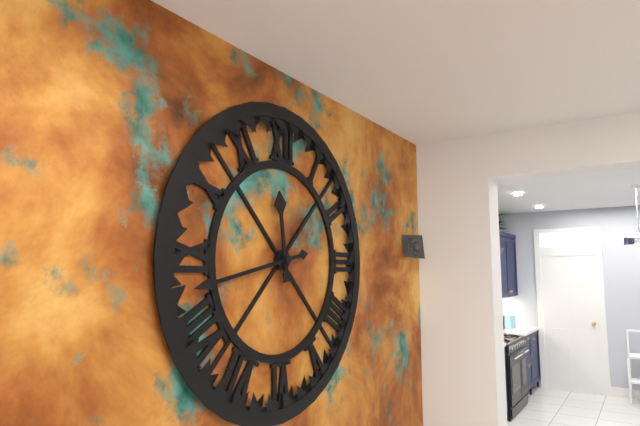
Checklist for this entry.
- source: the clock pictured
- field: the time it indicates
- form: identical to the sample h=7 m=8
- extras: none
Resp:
h=11 m=43
